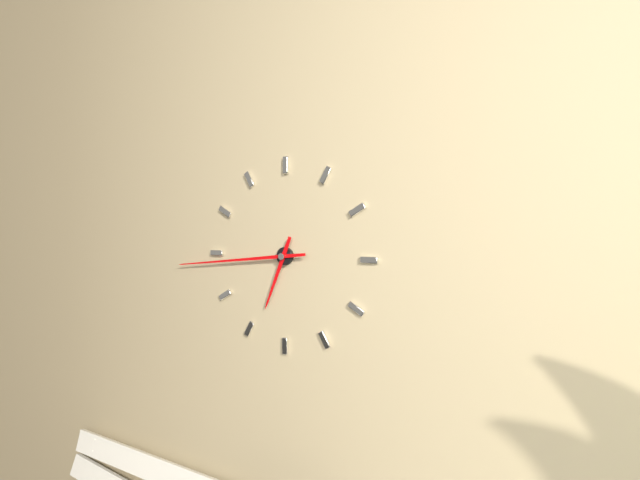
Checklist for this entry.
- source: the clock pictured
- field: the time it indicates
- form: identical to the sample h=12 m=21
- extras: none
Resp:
h=6 m=44
